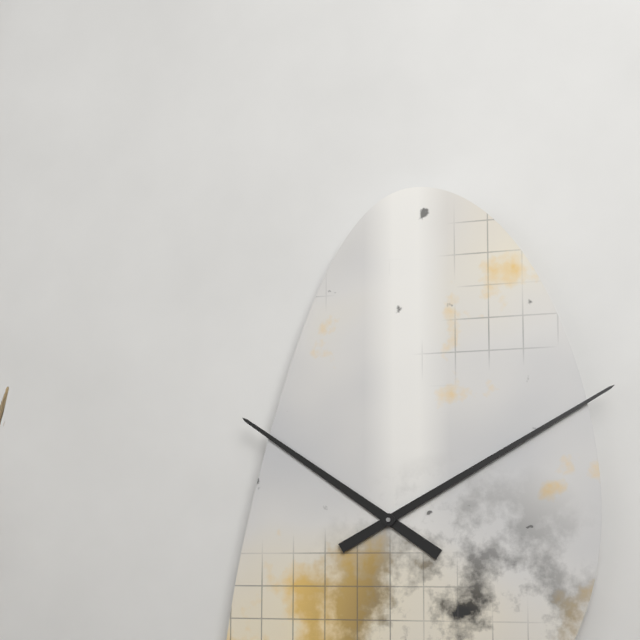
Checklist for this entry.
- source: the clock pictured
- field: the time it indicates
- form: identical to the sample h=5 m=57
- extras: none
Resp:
h=10 m=10
